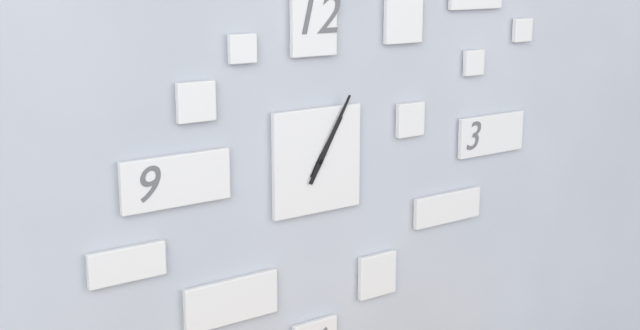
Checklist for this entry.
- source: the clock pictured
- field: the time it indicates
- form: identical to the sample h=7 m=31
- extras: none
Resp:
h=1 m=5
